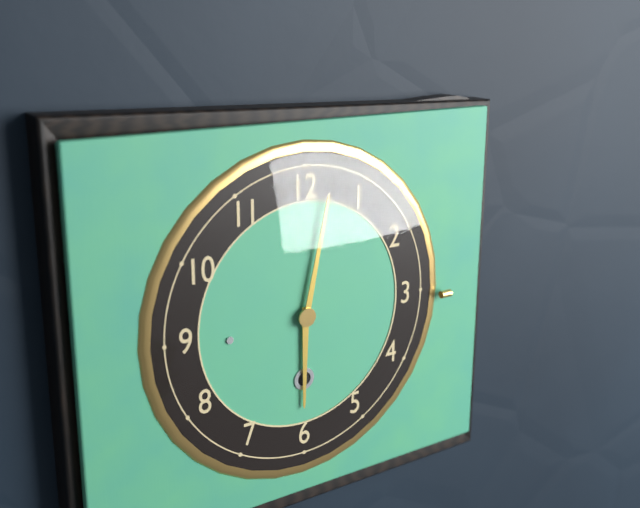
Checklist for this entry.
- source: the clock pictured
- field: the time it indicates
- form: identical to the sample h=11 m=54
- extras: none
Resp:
h=6 m=2
